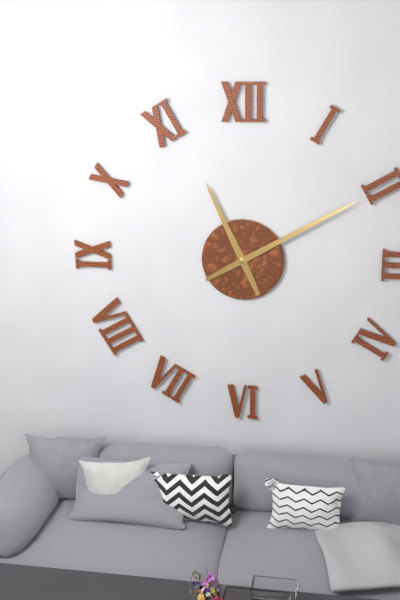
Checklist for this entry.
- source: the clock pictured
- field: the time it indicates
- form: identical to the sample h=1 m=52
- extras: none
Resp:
h=11 m=10
